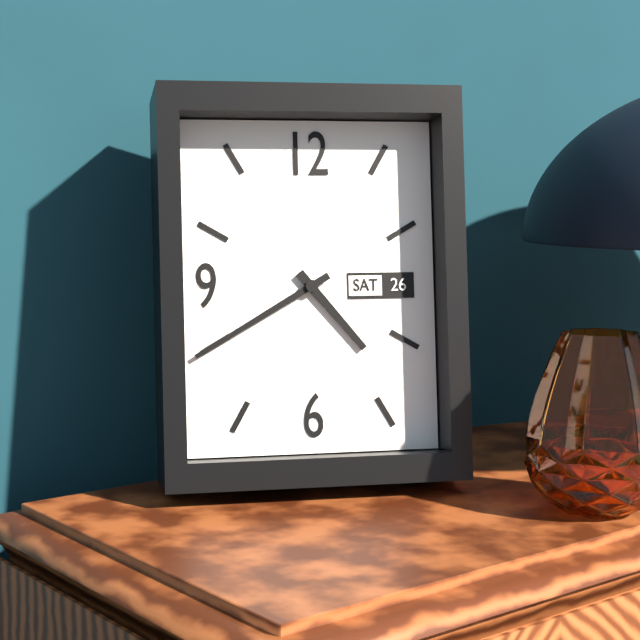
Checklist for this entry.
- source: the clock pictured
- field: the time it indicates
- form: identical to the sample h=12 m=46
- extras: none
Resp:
h=4 m=40
